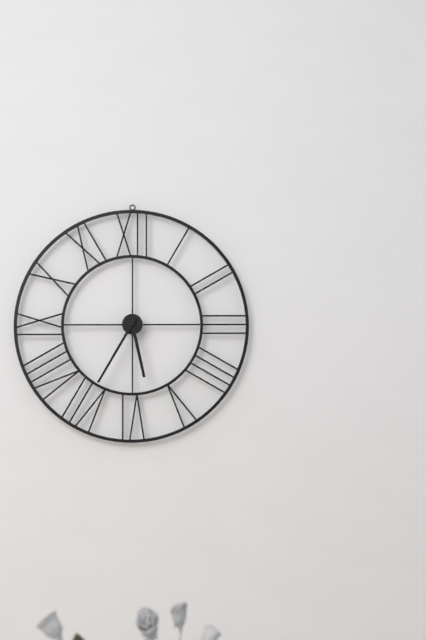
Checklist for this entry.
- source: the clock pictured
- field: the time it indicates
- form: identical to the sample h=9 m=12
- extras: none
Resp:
h=5 m=35
